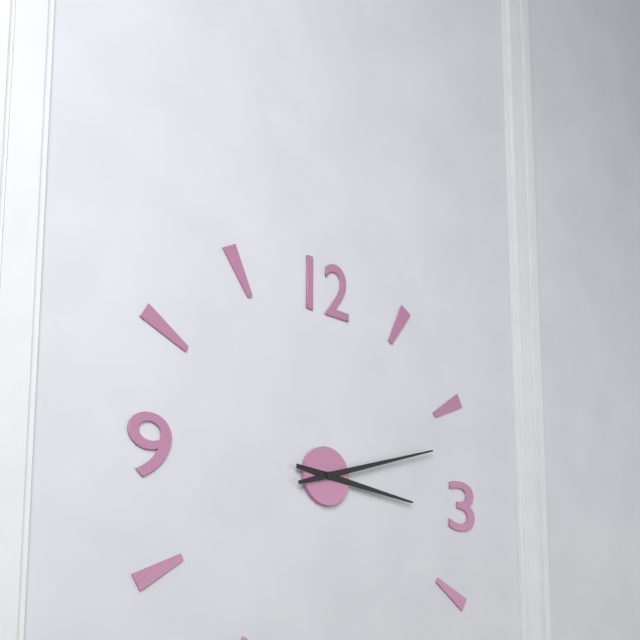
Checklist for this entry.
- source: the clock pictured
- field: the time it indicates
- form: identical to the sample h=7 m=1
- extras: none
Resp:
h=3 m=12
